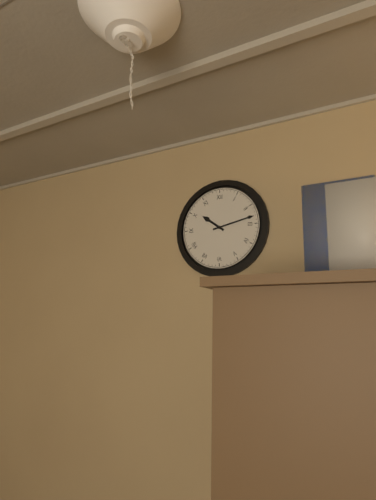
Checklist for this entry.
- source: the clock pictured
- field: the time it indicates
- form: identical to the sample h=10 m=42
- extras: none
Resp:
h=10 m=13
